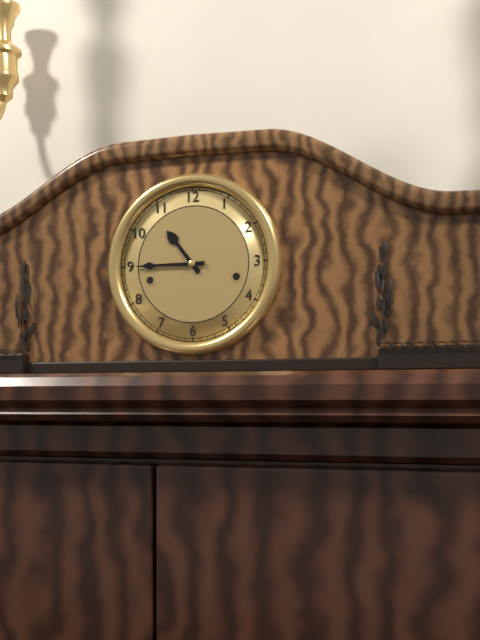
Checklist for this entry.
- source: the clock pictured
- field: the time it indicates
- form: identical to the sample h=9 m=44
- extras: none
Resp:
h=10 m=45
